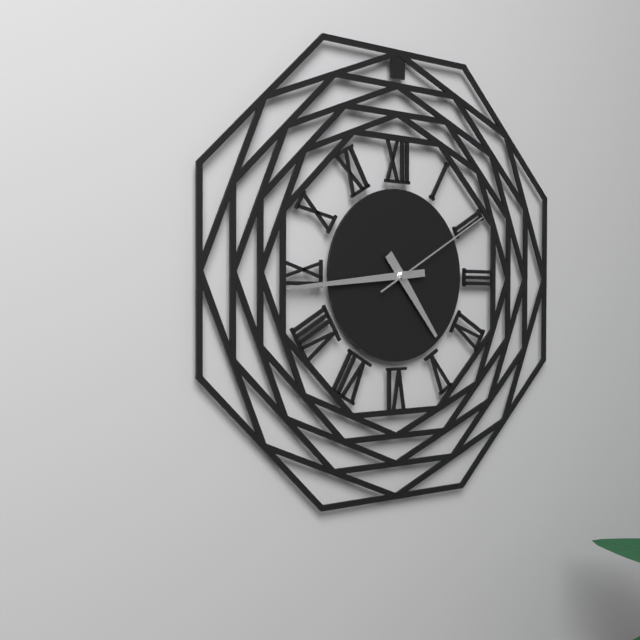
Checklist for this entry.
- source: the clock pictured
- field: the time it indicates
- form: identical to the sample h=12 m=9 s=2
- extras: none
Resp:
h=4 m=44 s=10
